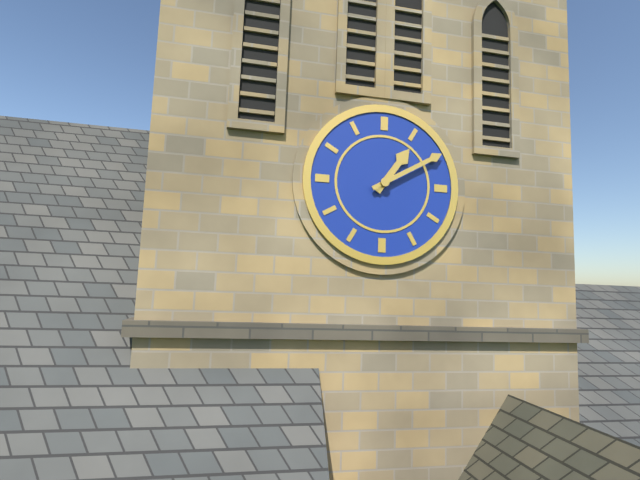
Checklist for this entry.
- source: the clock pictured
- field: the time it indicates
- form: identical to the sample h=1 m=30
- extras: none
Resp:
h=1 m=10
